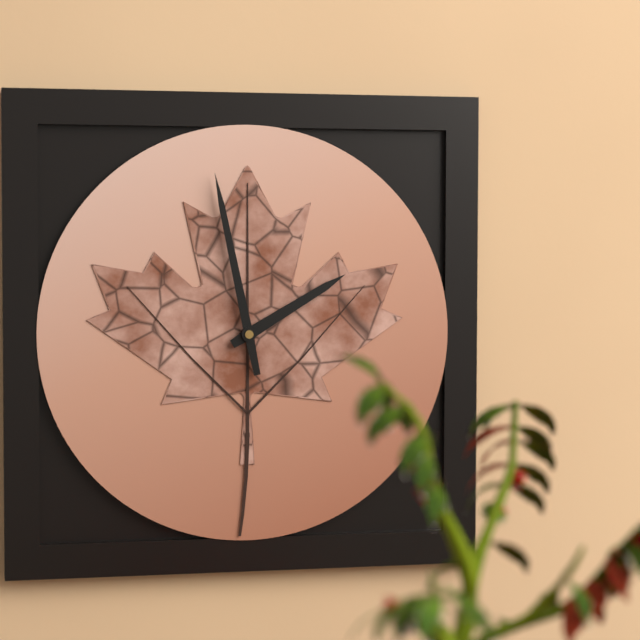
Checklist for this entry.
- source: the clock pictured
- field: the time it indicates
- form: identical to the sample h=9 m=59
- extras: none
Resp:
h=1 m=58
